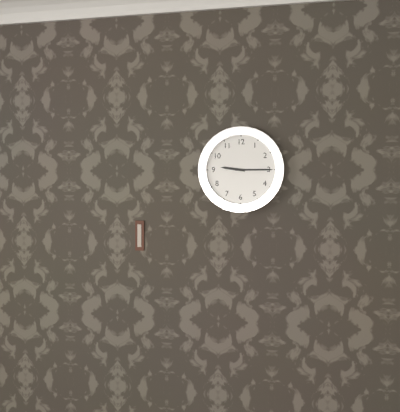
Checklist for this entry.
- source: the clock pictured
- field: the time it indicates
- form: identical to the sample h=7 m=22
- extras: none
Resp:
h=9 m=15
